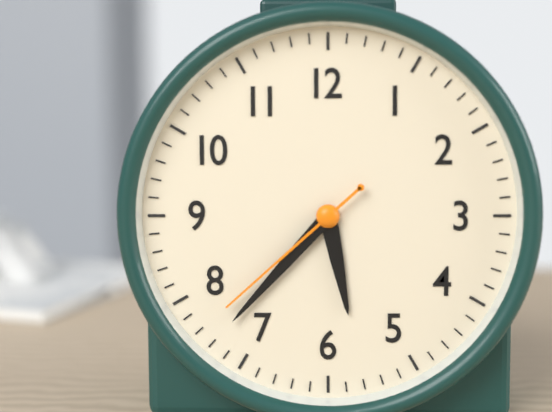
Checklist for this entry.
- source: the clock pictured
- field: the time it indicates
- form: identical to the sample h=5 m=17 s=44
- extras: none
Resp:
h=5 m=37 s=38
